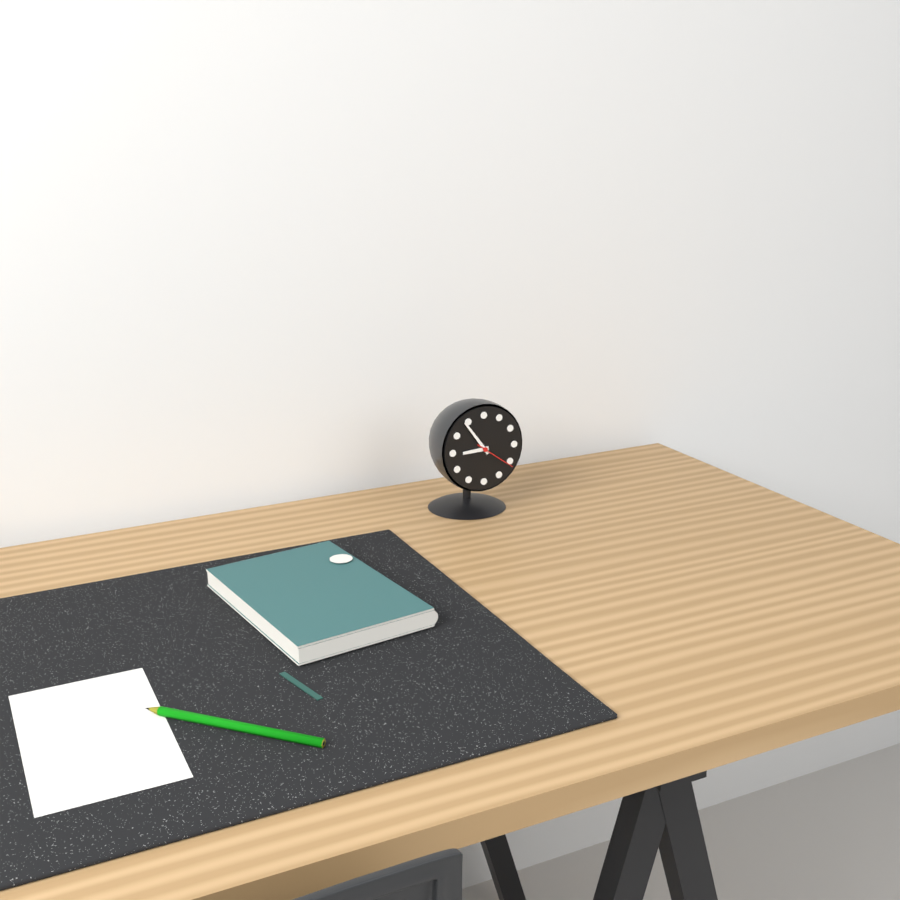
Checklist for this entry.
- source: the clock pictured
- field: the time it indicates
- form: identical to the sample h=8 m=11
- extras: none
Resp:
h=8 m=54
